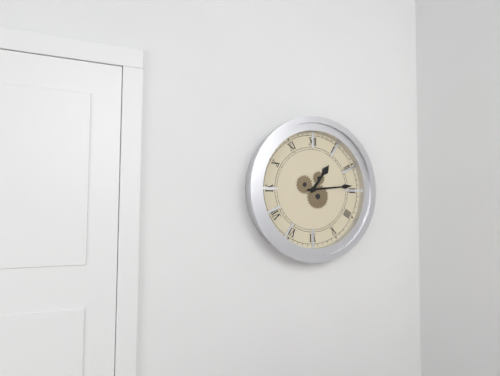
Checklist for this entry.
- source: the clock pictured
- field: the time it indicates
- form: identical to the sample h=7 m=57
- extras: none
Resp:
h=1 m=14
